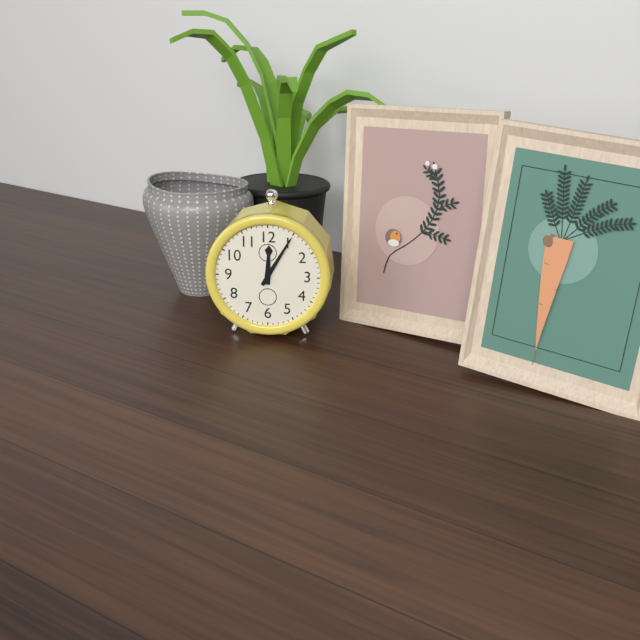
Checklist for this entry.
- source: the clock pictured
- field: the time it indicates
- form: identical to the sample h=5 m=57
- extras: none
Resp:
h=12 m=5
